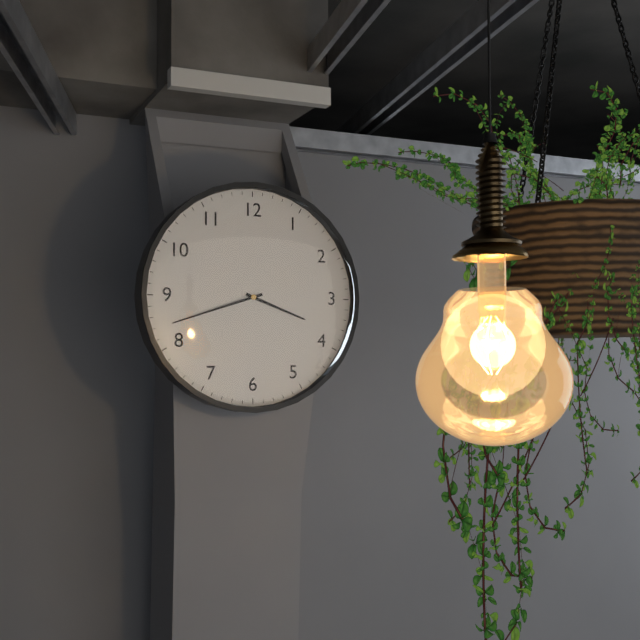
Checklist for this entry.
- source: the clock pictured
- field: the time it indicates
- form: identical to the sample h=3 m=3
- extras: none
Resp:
h=3 m=42
